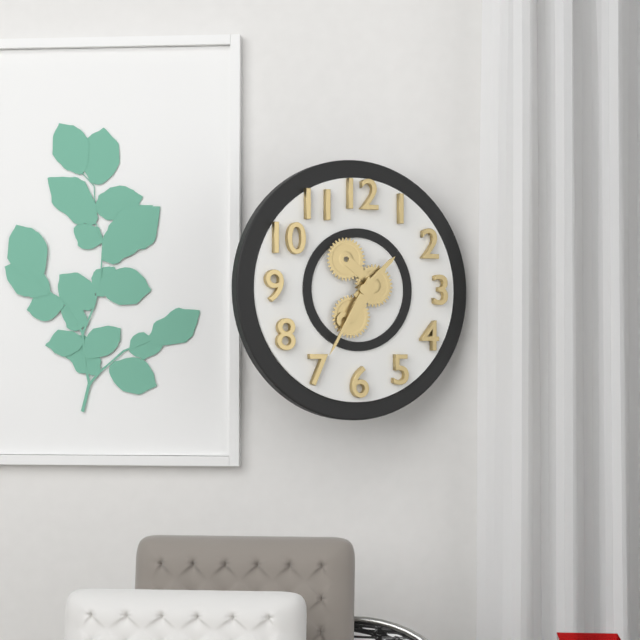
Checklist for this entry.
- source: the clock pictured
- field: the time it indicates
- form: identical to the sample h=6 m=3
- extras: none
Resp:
h=1 m=35
